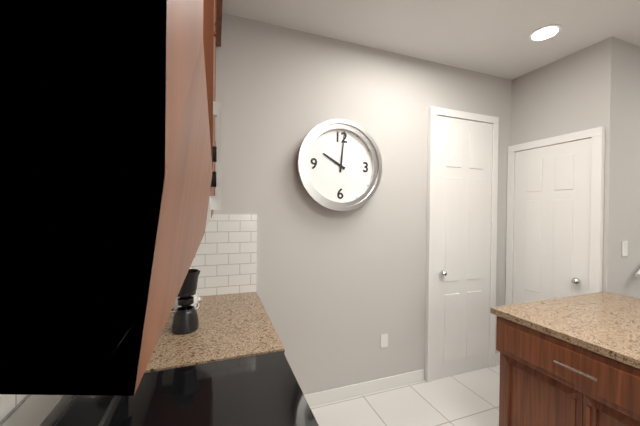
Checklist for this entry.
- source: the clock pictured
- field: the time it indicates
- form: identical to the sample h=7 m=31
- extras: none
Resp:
h=10 m=1
